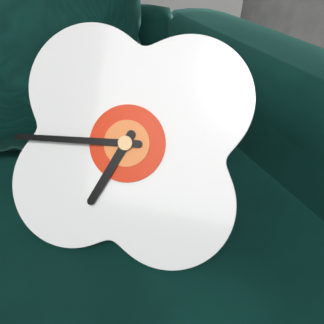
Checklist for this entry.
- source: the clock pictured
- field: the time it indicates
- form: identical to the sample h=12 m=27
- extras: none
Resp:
h=6 m=44
